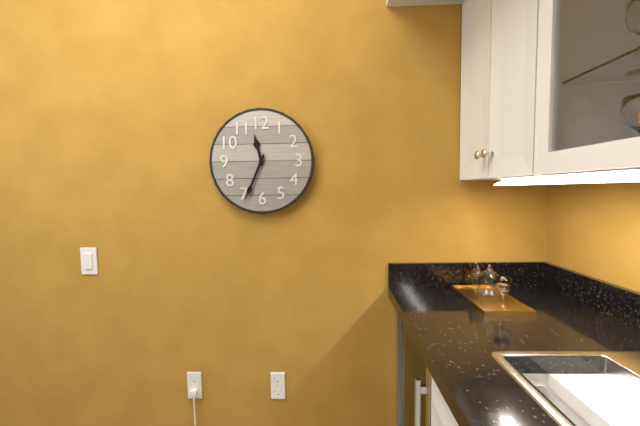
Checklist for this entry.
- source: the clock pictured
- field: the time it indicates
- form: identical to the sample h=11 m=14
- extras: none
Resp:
h=11 m=34
